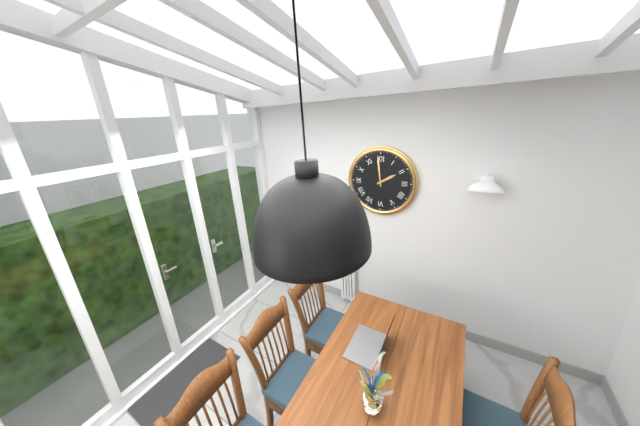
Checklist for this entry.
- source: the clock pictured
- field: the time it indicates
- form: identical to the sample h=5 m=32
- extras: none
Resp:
h=1 m=59
